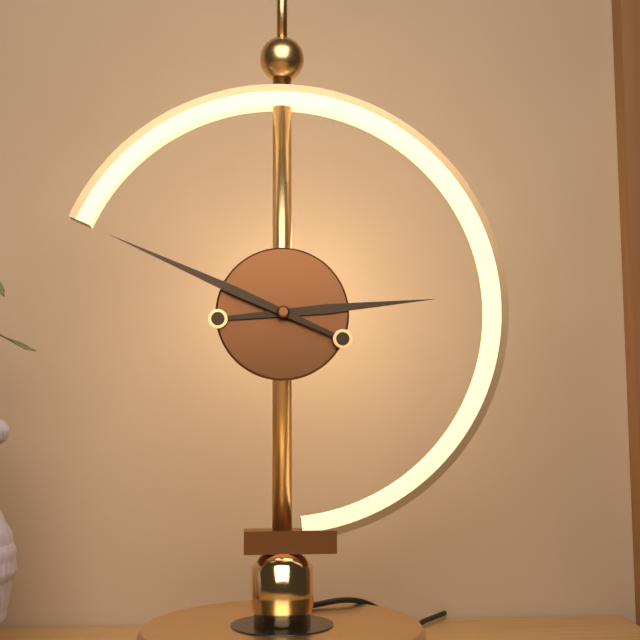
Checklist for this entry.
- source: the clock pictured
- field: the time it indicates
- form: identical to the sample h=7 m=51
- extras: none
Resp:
h=2 m=49
